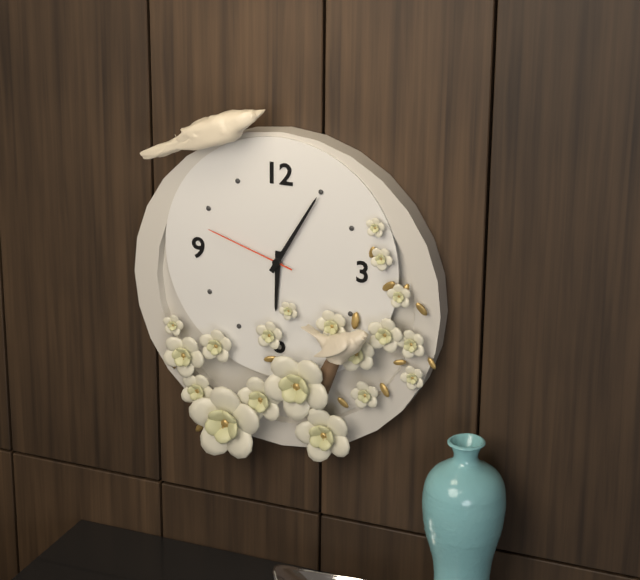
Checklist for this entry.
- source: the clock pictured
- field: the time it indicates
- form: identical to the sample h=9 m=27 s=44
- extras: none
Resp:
h=6 m=5 s=48
